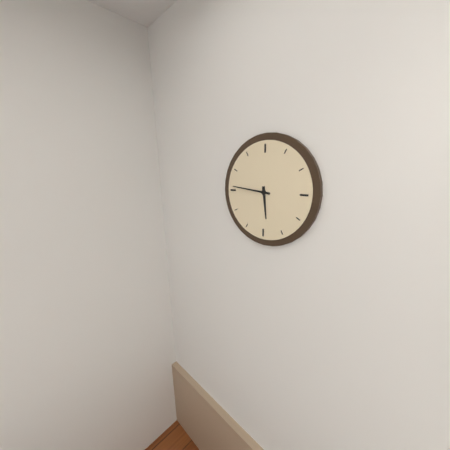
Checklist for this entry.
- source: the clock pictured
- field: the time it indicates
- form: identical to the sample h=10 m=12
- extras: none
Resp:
h=5 m=46
